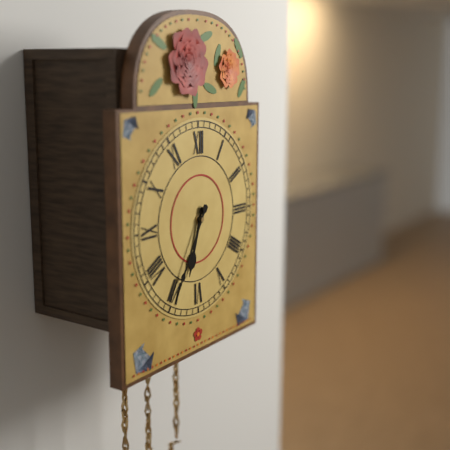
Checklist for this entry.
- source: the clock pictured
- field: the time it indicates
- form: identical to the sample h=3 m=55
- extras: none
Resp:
h=6 m=35
